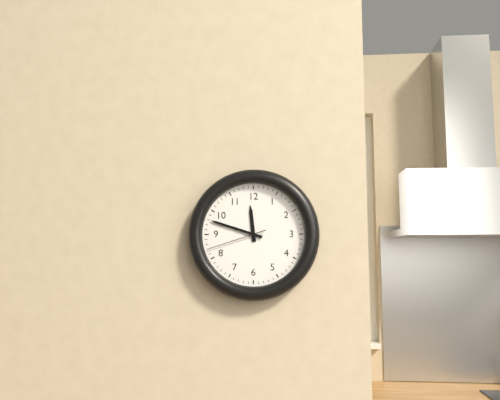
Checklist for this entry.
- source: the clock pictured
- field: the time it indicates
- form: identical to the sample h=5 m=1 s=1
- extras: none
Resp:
h=11 m=48 s=42
